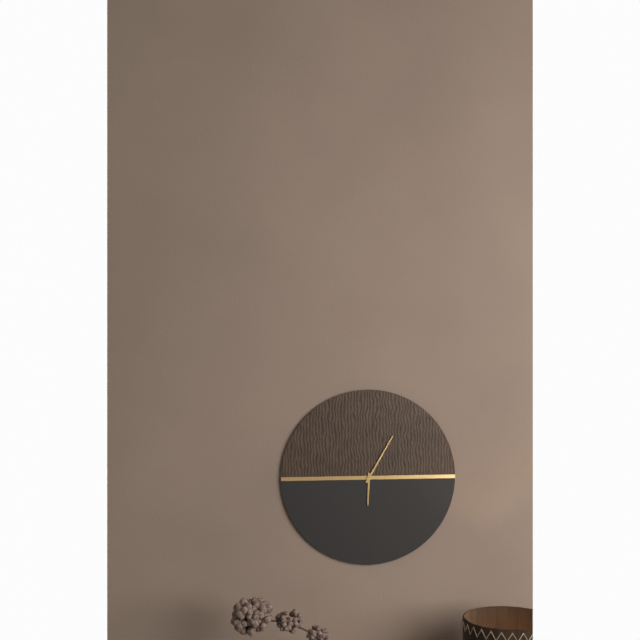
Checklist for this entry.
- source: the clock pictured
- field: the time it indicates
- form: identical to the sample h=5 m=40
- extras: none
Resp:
h=6 m=5
